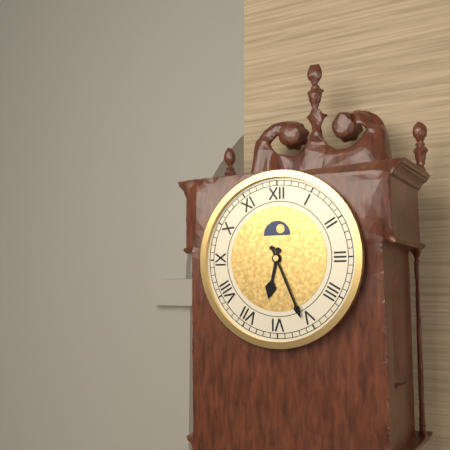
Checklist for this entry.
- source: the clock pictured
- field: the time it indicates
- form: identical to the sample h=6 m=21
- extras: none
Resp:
h=6 m=26
